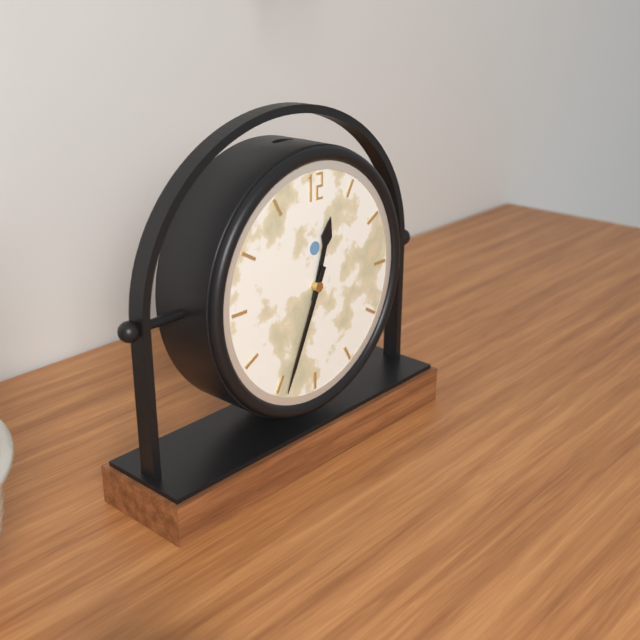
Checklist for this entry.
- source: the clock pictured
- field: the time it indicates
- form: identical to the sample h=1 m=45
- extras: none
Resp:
h=12 m=34
